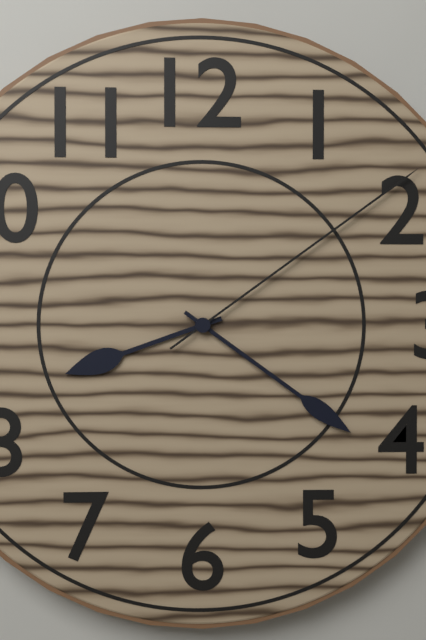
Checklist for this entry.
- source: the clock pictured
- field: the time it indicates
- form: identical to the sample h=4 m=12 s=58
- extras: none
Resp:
h=8 m=21 s=9
